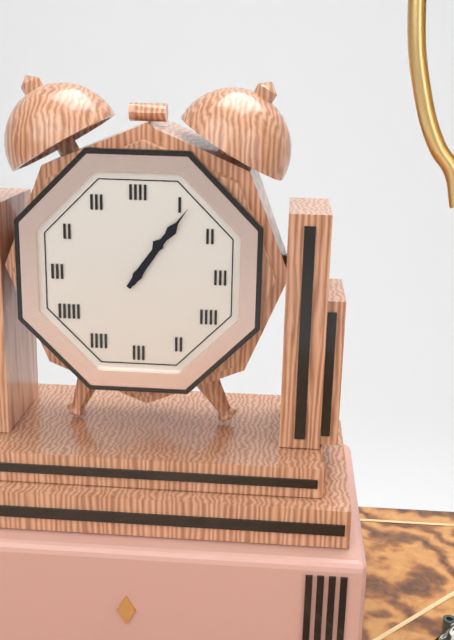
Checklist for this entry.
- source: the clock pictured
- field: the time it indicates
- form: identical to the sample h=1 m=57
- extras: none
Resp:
h=1 m=6
